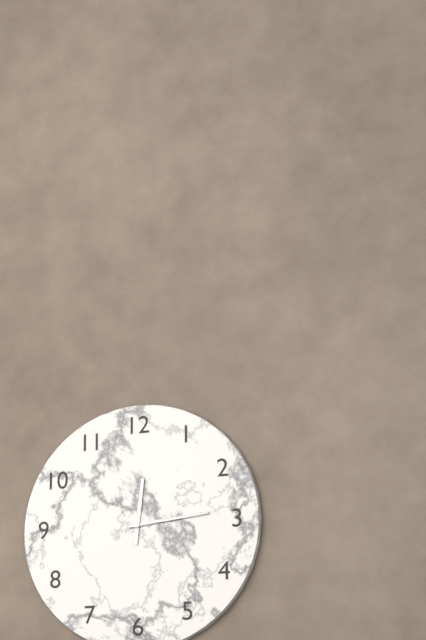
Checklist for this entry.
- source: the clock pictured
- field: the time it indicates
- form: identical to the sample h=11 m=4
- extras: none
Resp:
h=12 m=14
